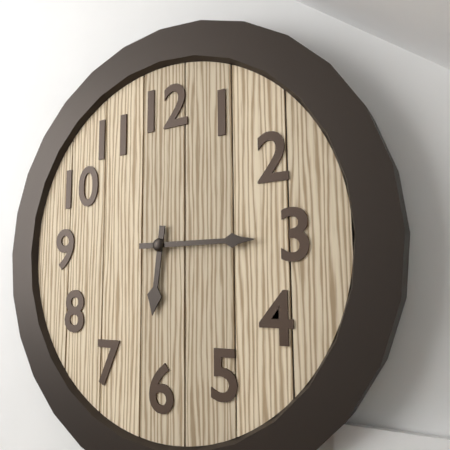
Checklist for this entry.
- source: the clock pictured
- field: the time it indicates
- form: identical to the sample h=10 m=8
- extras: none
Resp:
h=6 m=15
